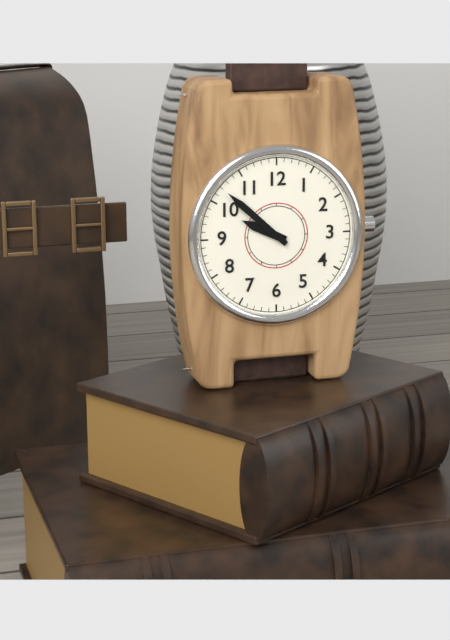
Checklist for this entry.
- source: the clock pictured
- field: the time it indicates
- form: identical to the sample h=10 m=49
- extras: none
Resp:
h=9 m=52
